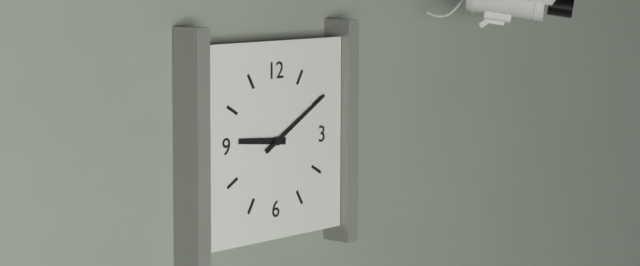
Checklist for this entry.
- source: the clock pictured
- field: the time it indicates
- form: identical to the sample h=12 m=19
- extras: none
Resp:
h=9 m=10
